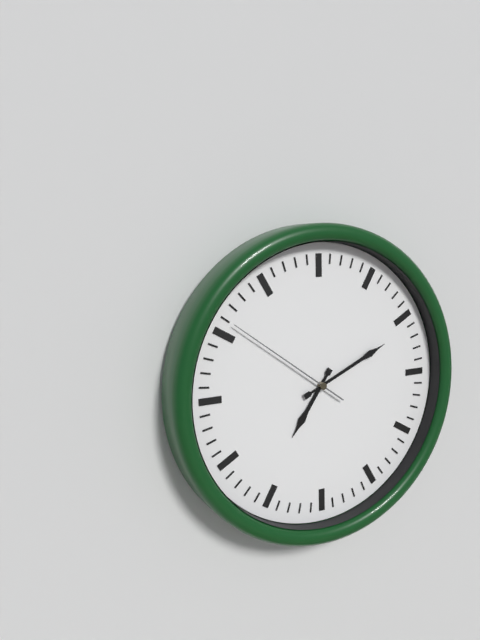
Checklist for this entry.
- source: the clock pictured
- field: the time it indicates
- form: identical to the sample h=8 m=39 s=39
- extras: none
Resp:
h=7 m=11 s=51
